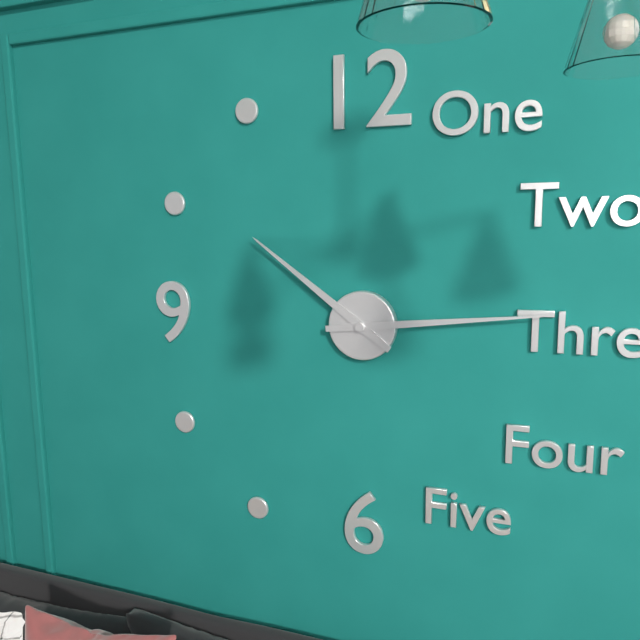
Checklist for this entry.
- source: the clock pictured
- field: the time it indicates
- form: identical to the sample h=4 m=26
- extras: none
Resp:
h=10 m=14
